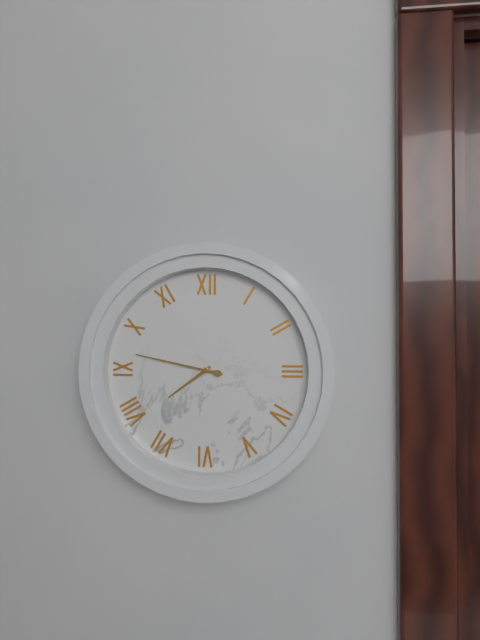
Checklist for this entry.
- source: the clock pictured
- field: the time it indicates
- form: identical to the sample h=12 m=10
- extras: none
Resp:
h=7 m=47
